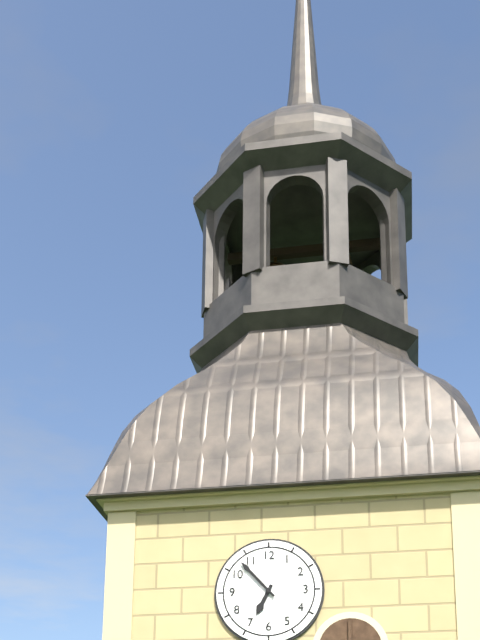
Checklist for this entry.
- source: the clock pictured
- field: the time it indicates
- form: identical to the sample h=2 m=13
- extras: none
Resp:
h=6 m=53
